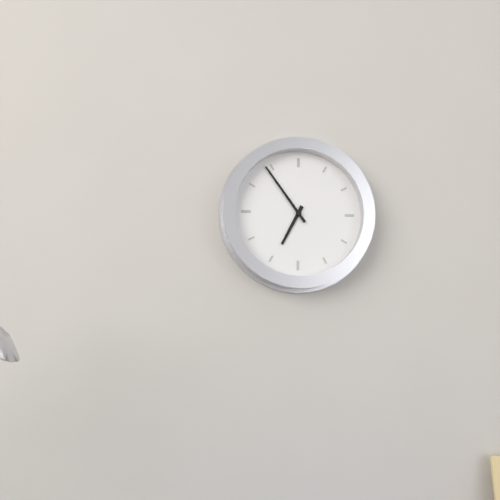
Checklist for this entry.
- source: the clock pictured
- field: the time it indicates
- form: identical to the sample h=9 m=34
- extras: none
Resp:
h=6 m=54
